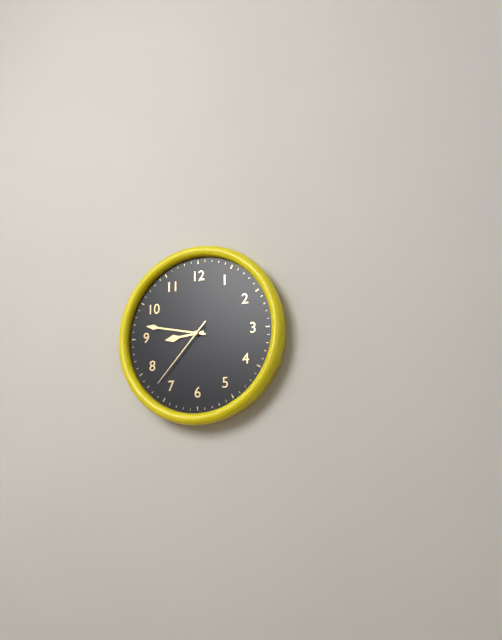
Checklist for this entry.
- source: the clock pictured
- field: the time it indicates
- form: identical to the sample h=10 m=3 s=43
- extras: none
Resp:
h=8 m=47 s=37
